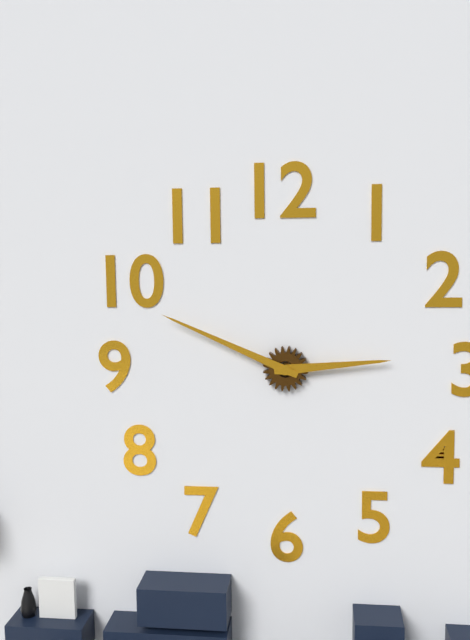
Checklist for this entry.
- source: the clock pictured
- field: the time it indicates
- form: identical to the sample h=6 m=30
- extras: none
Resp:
h=2 m=49
